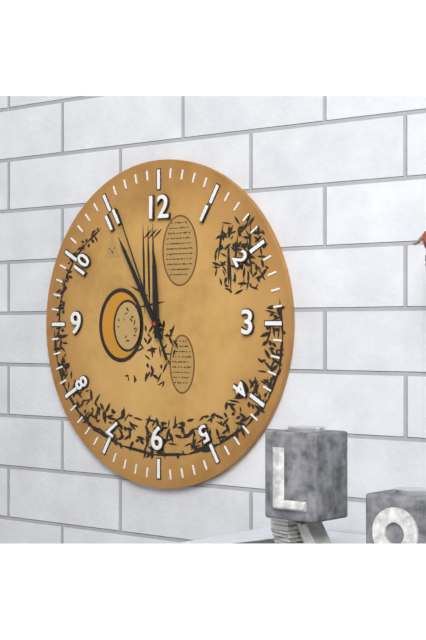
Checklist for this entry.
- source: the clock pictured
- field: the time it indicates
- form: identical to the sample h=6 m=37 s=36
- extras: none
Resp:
h=11 m=55 s=56
